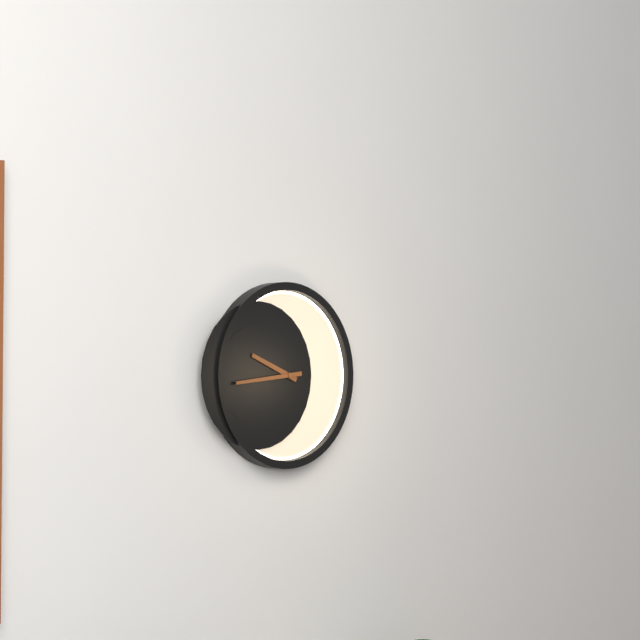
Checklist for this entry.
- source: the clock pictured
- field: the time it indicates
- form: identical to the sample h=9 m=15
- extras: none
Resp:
h=9 m=44
